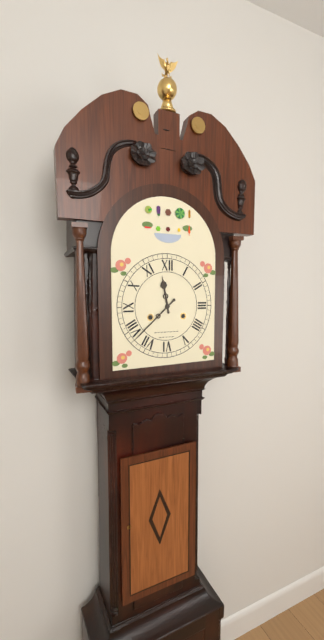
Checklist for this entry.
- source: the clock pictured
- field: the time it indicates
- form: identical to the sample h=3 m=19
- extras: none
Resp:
h=11 m=38
